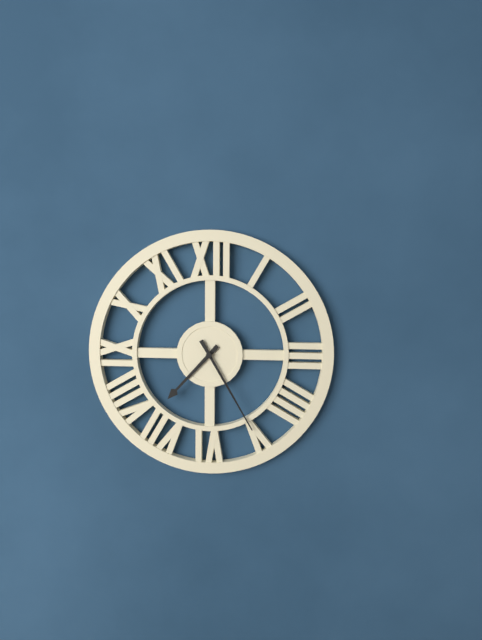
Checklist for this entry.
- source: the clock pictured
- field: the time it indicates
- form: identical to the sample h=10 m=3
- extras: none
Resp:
h=7 m=25
